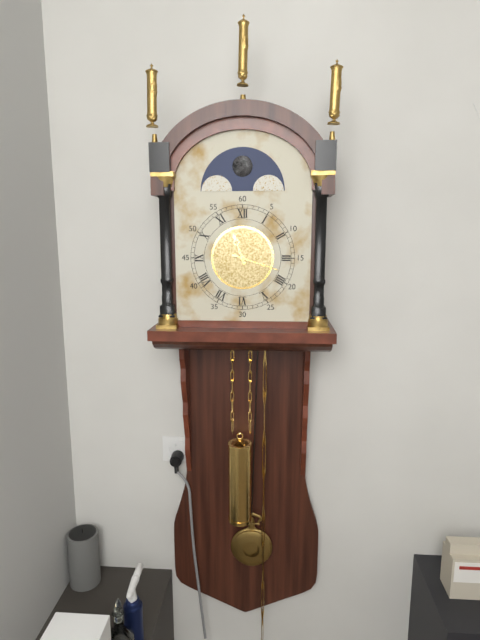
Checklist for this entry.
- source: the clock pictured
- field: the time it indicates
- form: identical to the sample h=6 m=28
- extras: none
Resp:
h=11 m=18
